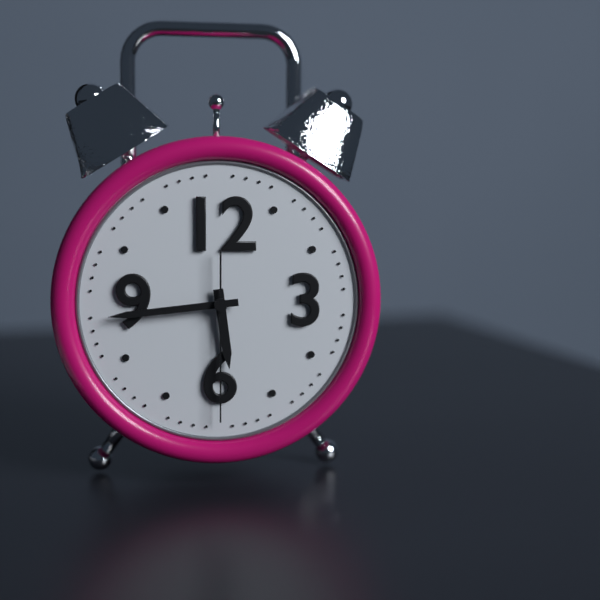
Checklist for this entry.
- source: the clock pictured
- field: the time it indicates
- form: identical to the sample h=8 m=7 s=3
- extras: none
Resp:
h=5 m=44 s=30
